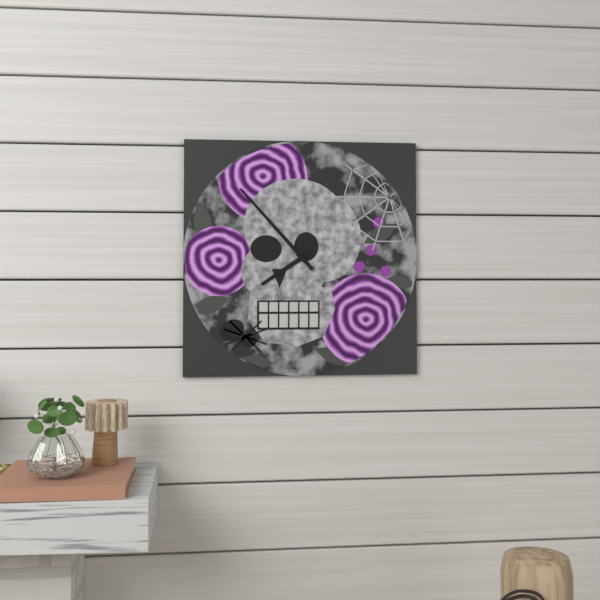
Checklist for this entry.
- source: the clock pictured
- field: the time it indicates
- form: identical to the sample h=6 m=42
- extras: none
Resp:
h=7 m=53
